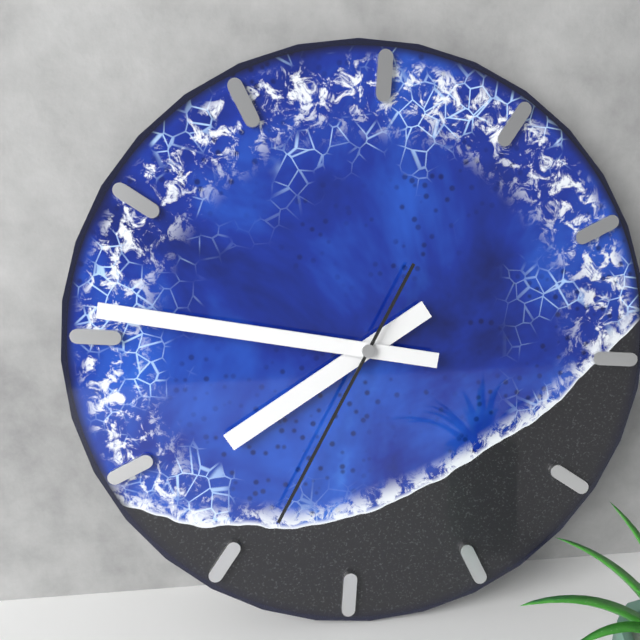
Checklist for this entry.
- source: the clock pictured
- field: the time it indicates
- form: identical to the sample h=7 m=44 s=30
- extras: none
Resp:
h=7 m=46 s=34
